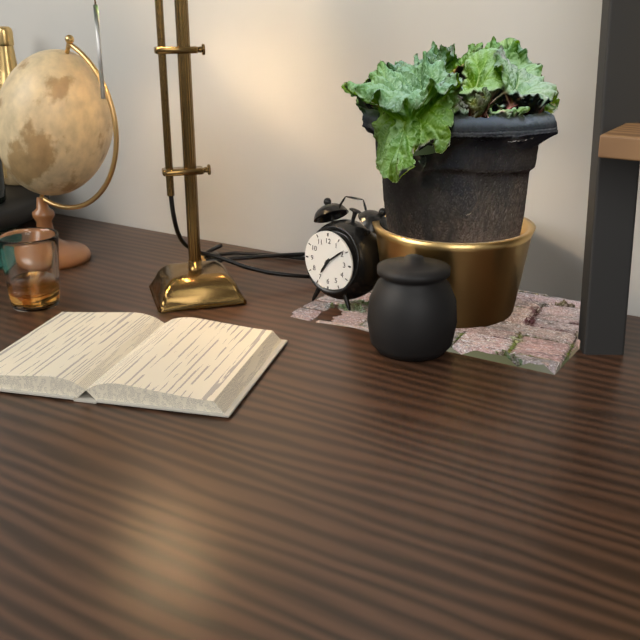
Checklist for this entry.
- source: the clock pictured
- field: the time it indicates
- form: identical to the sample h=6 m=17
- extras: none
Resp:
h=7 m=9
